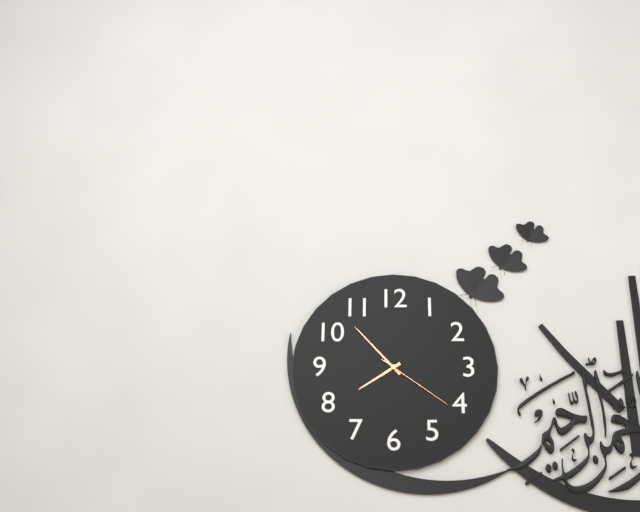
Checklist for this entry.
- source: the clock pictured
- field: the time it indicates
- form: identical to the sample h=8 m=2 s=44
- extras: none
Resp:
h=7 m=53 s=21
